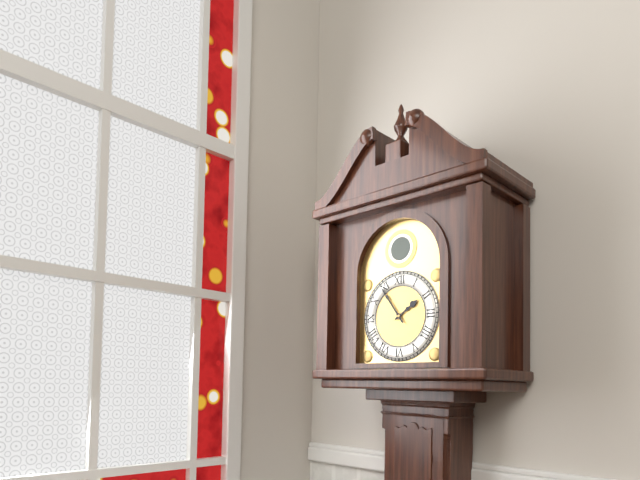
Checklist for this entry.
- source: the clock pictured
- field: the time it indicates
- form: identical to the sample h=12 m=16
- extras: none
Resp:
h=1 m=54
